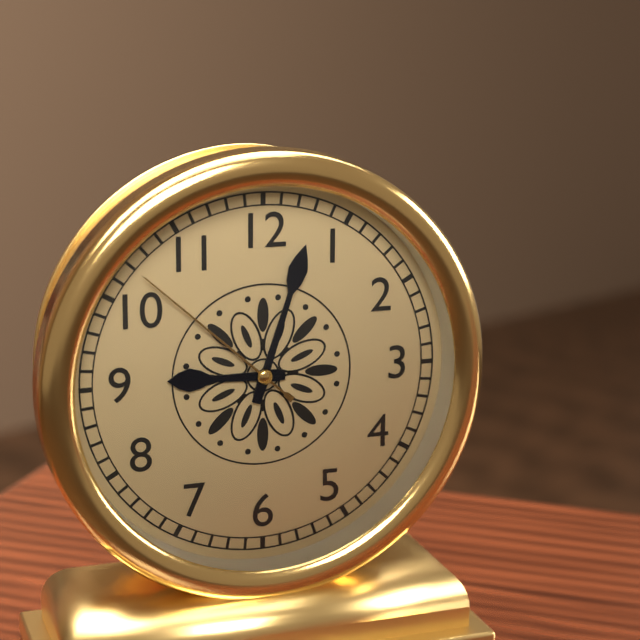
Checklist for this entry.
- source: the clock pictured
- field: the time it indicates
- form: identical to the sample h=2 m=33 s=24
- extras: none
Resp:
h=9 m=3 s=52
